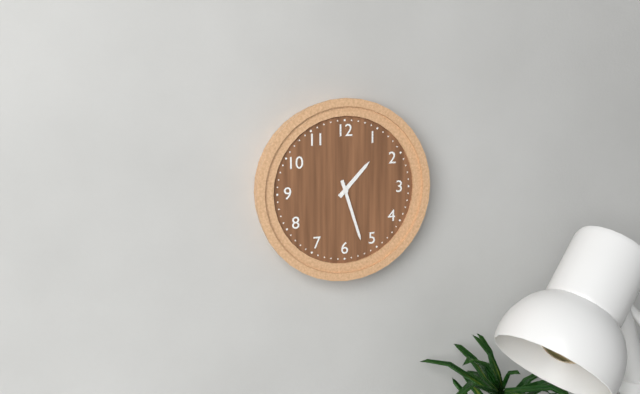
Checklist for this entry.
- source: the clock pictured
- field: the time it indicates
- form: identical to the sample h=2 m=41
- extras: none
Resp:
h=1 m=27
